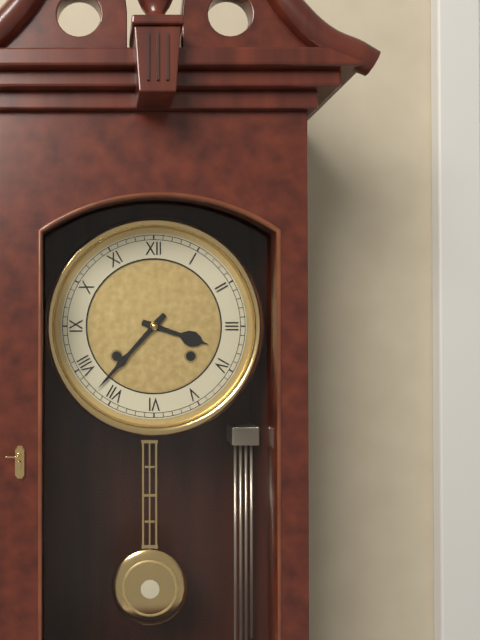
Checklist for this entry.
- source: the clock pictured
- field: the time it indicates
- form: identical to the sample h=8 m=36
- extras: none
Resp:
h=3 m=37
